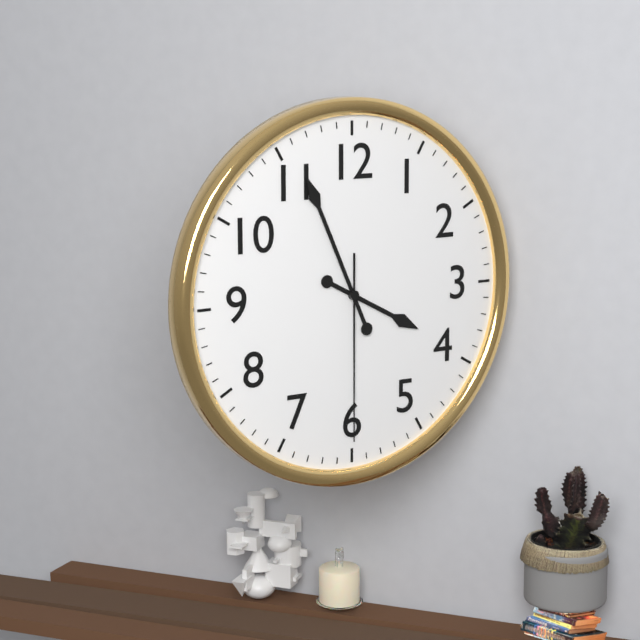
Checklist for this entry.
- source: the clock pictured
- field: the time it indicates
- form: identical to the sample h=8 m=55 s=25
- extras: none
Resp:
h=3 m=56 s=30
